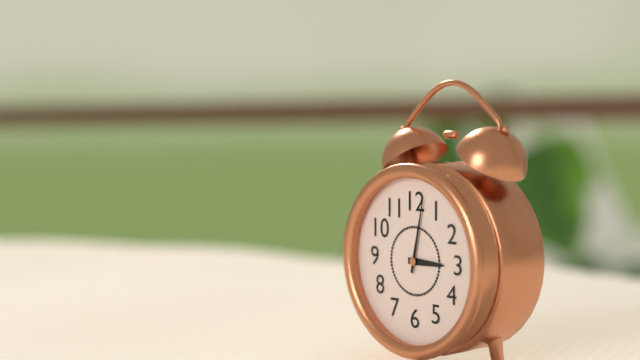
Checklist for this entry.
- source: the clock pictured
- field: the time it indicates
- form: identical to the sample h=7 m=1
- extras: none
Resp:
h=3 m=2
